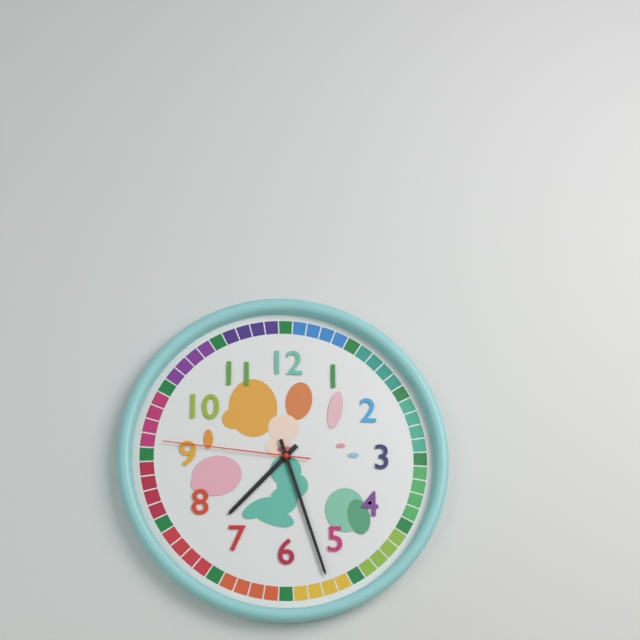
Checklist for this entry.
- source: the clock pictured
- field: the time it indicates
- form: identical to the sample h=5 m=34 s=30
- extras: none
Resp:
h=7 m=27 s=46
